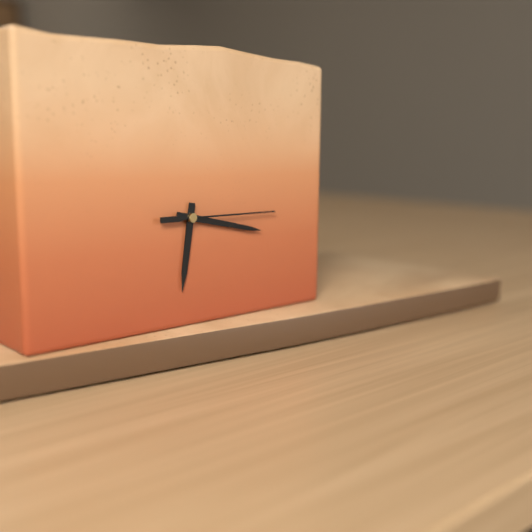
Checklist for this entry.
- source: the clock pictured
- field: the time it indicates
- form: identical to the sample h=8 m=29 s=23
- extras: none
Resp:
h=6 m=17 s=15
